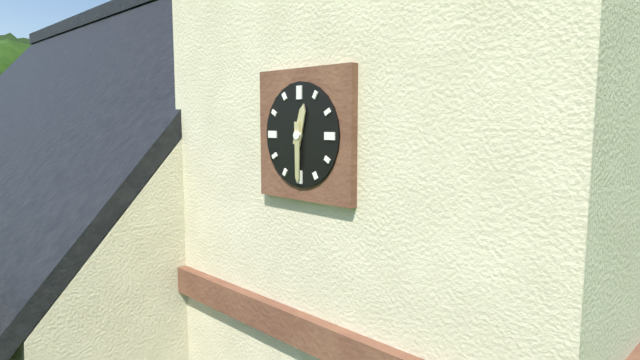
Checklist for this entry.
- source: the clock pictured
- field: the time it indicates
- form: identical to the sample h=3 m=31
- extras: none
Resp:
h=12 m=30
